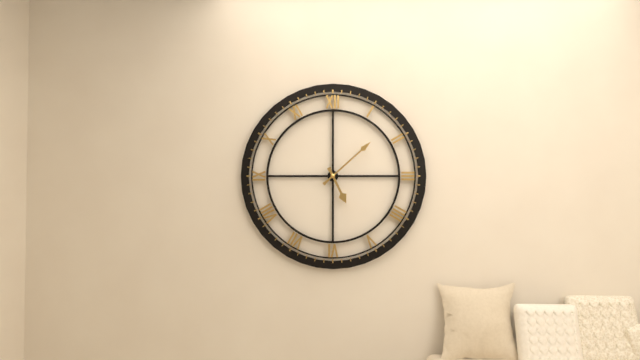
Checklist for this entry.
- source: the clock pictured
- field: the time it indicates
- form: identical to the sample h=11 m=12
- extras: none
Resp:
h=5 m=8
